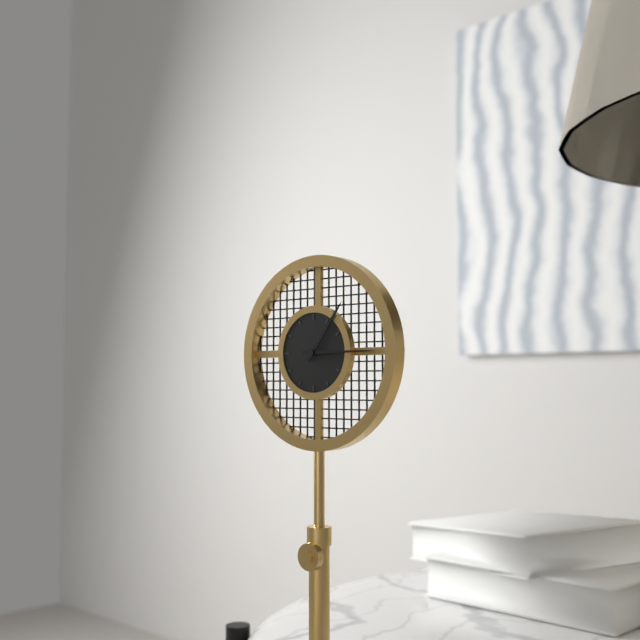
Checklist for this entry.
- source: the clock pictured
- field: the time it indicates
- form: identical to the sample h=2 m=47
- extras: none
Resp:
h=1 m=15
